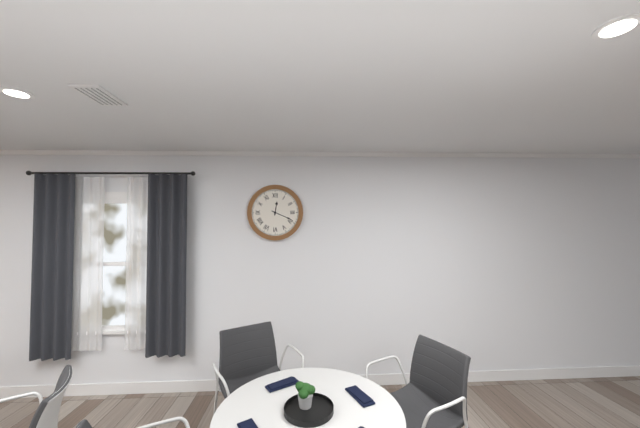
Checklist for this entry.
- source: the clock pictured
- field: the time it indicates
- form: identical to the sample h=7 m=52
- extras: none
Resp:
h=12 m=19
